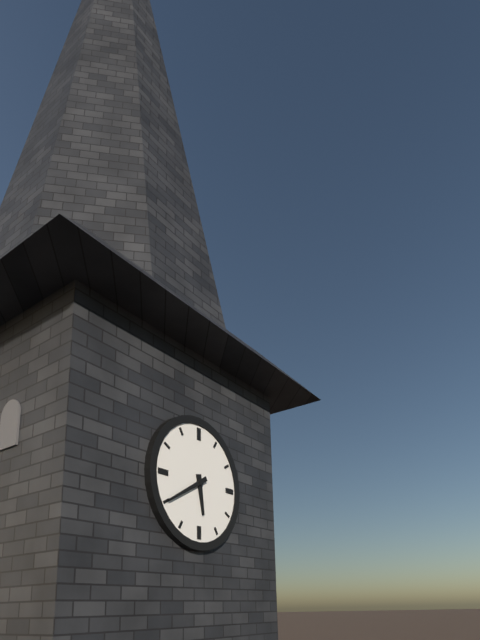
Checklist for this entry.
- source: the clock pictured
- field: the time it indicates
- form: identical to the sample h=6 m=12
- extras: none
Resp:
h=5 m=40
